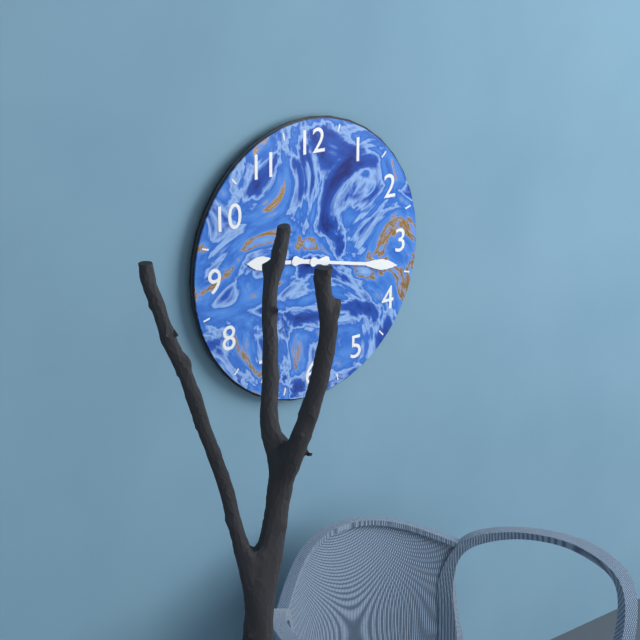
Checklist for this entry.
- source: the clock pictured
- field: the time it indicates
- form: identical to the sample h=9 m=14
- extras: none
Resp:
h=9 m=17
